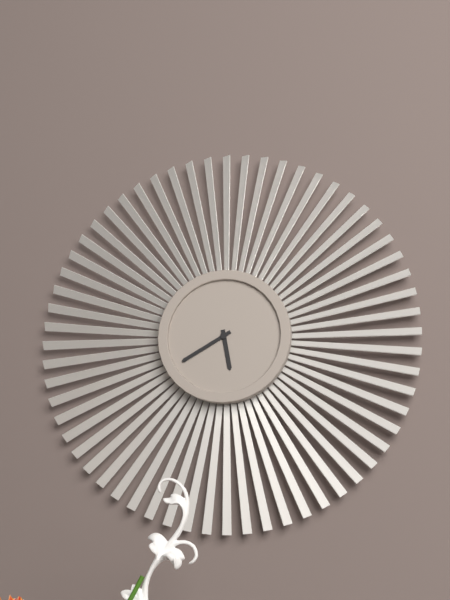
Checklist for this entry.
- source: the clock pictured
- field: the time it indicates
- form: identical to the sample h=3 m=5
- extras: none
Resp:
h=5 m=40
